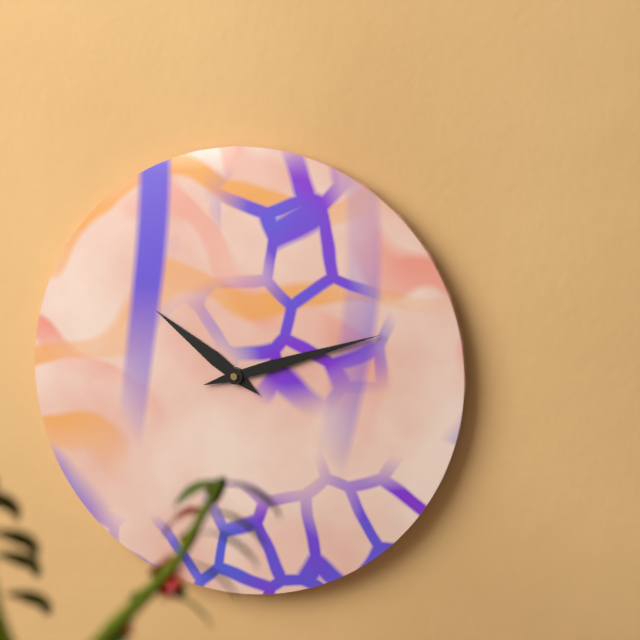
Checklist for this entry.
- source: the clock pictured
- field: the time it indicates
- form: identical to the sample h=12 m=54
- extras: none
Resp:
h=10 m=12
